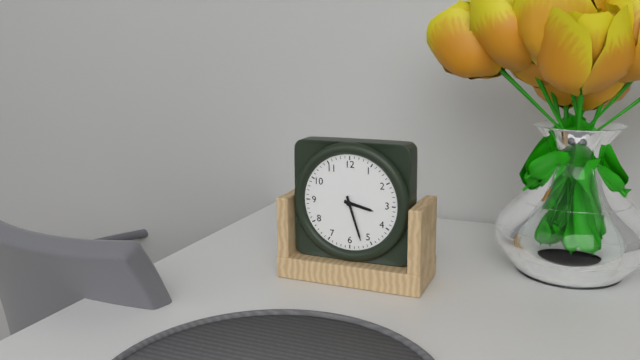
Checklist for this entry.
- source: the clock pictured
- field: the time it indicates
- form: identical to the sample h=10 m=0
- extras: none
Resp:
h=3 m=27
